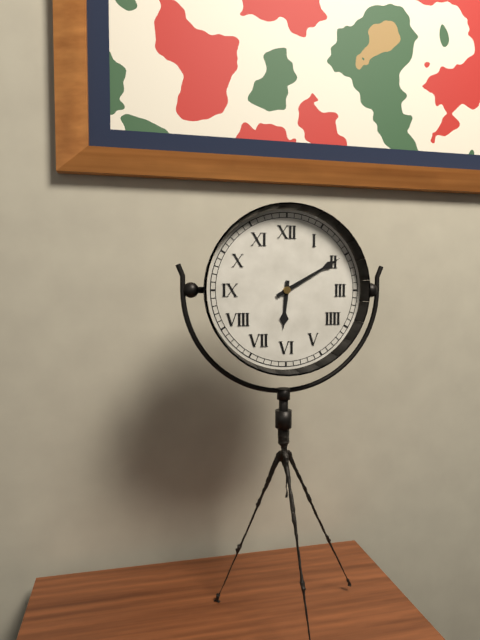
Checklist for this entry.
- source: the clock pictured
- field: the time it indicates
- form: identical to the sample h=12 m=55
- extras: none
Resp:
h=6 m=10
